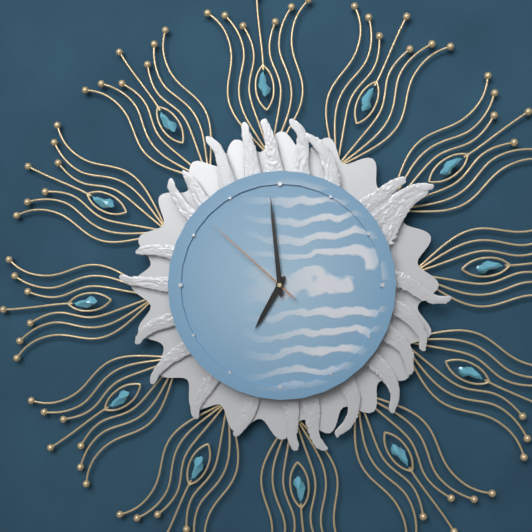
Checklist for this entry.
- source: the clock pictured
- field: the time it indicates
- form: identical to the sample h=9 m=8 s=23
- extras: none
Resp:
h=6 m=59 s=52
